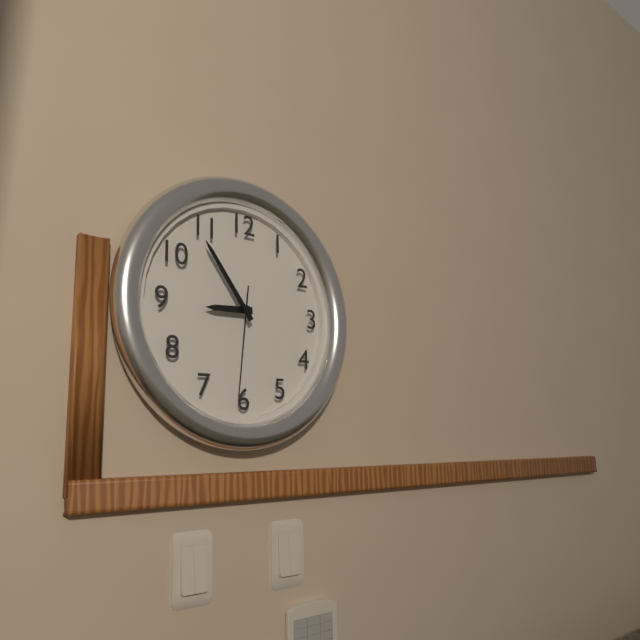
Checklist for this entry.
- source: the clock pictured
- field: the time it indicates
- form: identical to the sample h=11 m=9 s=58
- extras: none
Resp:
h=8 m=54 s=31
